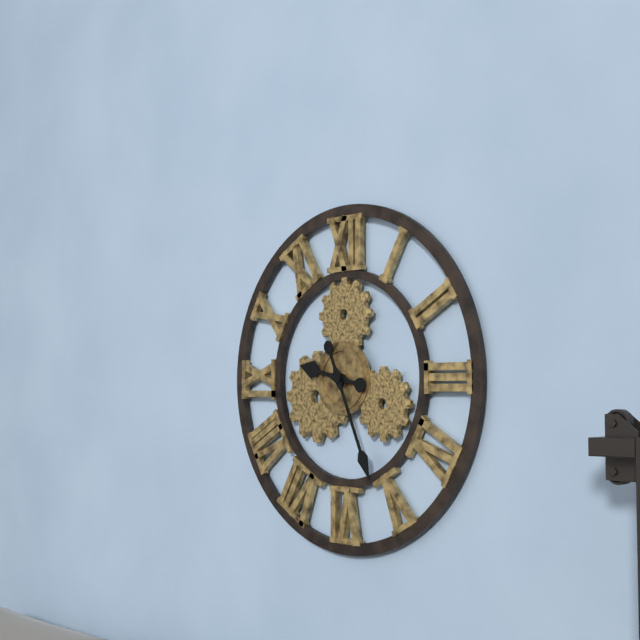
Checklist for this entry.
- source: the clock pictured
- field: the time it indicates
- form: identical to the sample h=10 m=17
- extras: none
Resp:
h=9 m=26
